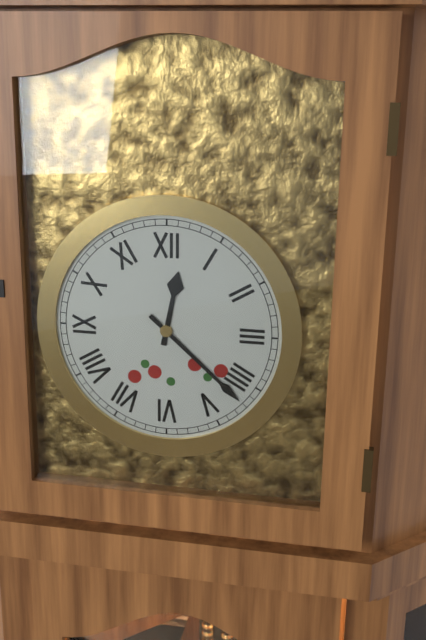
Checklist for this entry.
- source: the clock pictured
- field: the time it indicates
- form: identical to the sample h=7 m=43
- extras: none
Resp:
h=12 m=22
